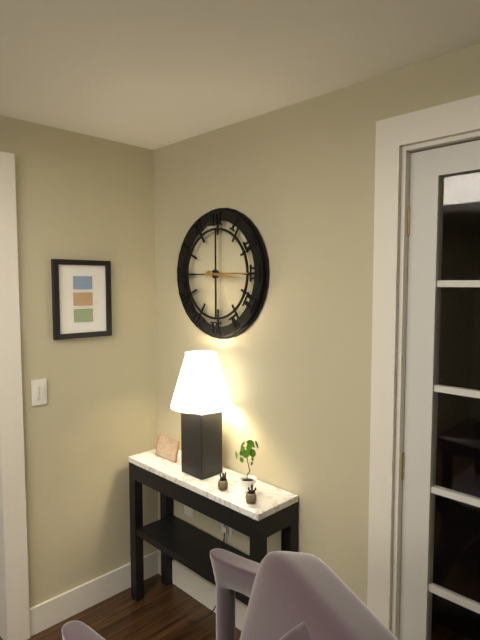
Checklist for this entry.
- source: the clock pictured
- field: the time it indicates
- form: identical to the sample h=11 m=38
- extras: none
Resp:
h=3 m=15
